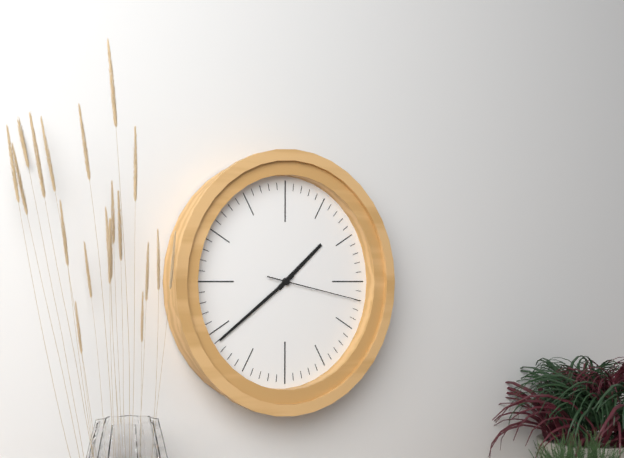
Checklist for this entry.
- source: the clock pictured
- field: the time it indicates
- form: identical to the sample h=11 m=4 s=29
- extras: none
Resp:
h=1 m=39 s=17
